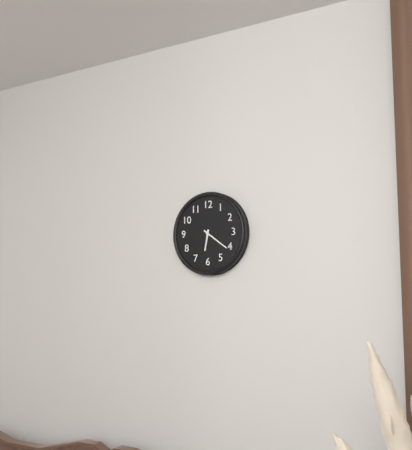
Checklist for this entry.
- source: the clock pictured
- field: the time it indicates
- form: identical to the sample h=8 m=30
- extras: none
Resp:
h=6 m=21
